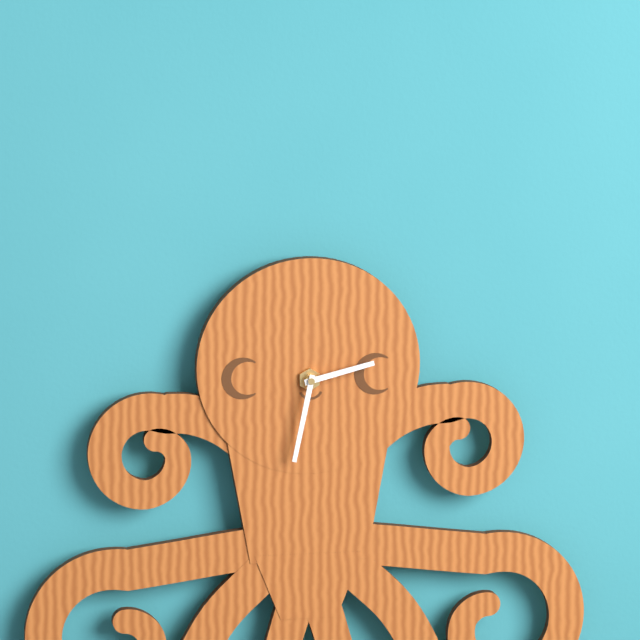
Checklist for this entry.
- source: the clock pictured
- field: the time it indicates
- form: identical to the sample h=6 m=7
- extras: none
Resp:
h=2 m=32
